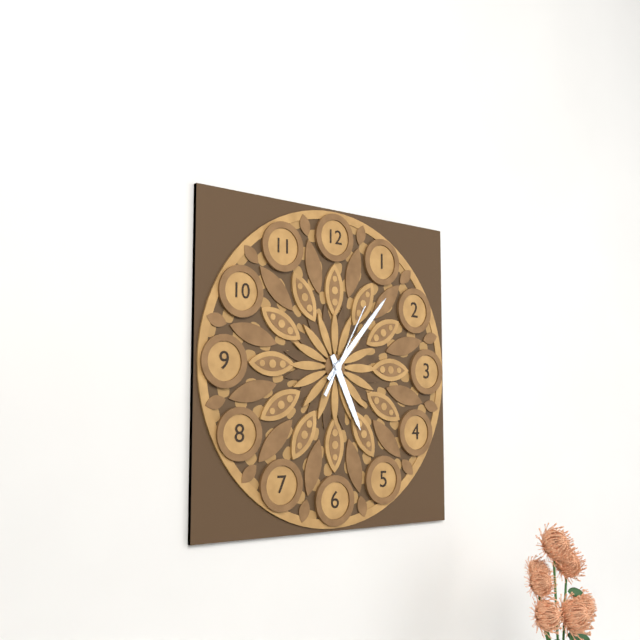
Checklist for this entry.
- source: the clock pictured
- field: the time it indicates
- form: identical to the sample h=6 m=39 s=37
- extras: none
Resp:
h=5 m=7 s=5
